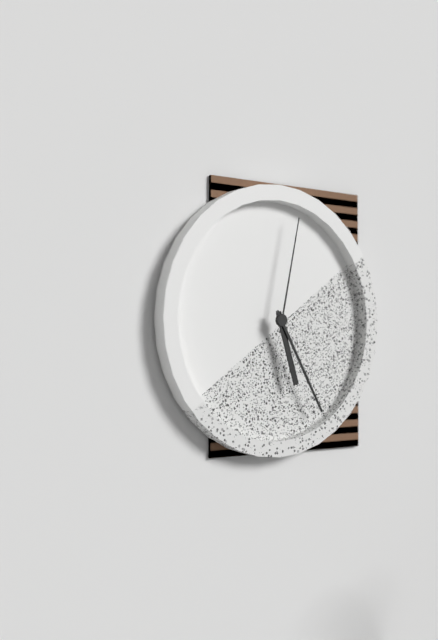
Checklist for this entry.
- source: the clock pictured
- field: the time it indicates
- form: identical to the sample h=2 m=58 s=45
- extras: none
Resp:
h=5 m=25 s=2
